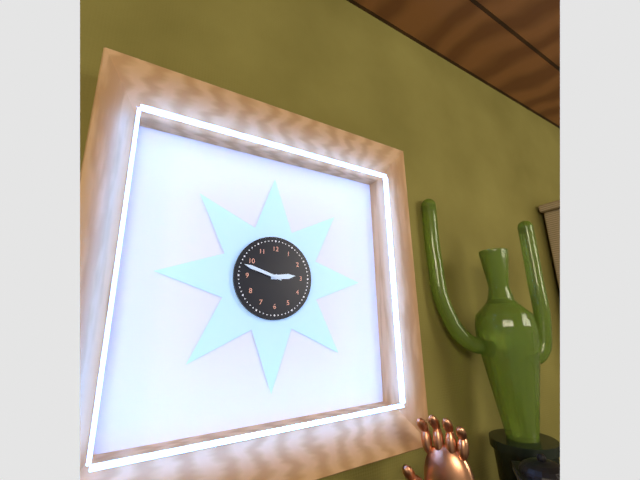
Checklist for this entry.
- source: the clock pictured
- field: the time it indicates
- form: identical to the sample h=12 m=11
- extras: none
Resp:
h=2 m=48
